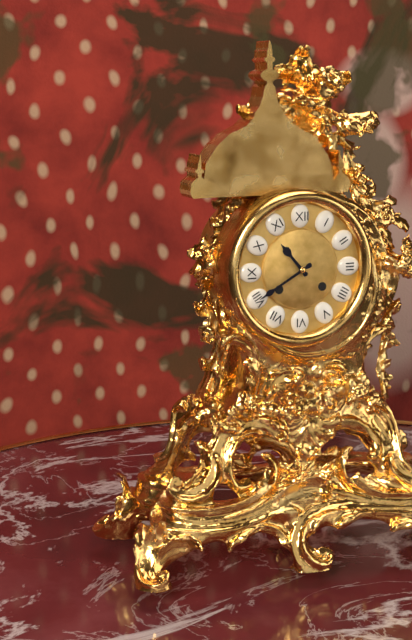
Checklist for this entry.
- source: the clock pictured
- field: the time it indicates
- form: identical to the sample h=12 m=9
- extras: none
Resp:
h=10 m=40
